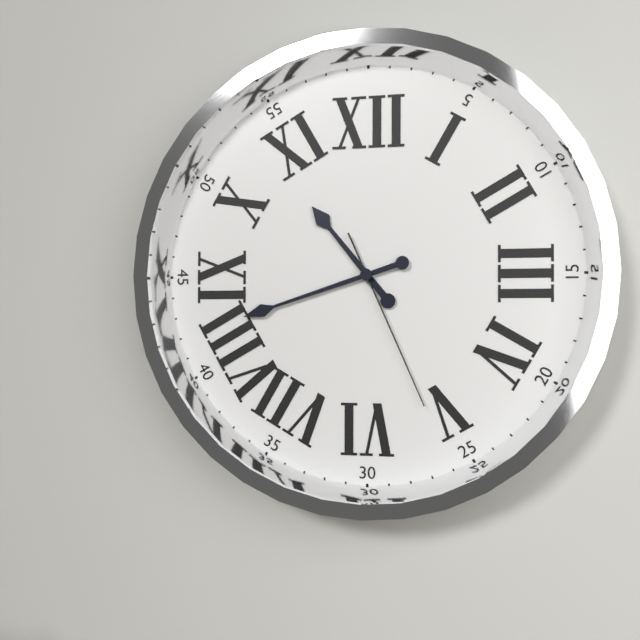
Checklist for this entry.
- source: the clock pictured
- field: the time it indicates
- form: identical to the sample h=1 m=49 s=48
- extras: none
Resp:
h=10 m=42 s=26
